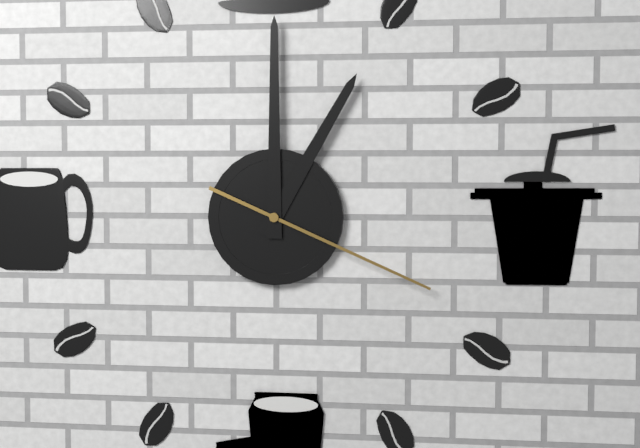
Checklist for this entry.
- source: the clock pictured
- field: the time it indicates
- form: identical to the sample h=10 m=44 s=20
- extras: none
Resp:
h=1 m=0 s=19
